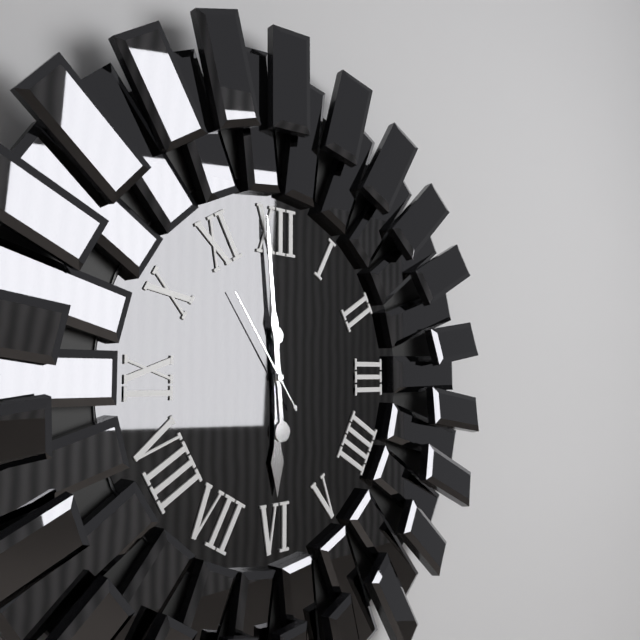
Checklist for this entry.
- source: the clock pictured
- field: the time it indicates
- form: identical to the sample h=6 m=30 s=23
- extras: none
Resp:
h=5 m=59 s=54
